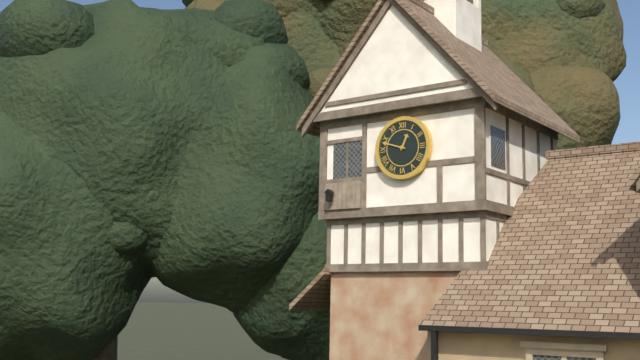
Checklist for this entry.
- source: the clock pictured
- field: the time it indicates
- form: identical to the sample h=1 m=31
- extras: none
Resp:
h=12 m=48
